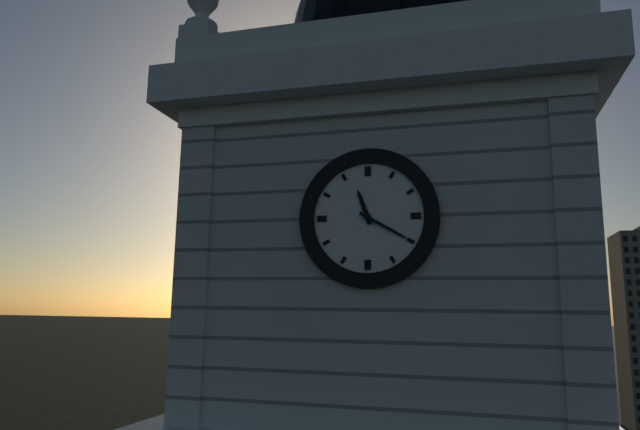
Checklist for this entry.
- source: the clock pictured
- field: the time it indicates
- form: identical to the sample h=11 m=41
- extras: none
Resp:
h=11 m=20
